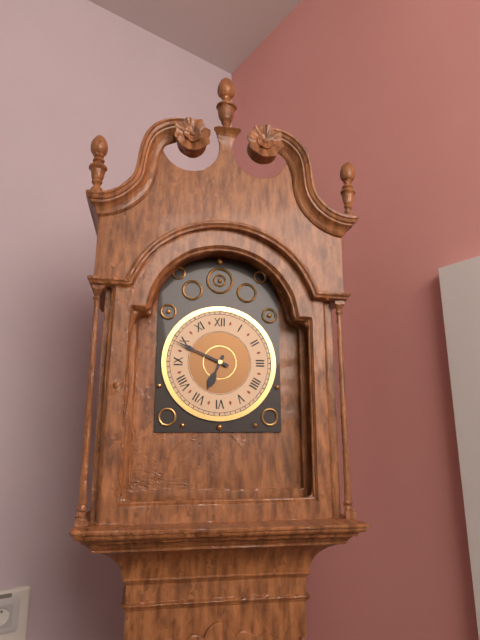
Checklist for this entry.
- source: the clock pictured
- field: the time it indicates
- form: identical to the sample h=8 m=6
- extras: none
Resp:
h=6 m=49
